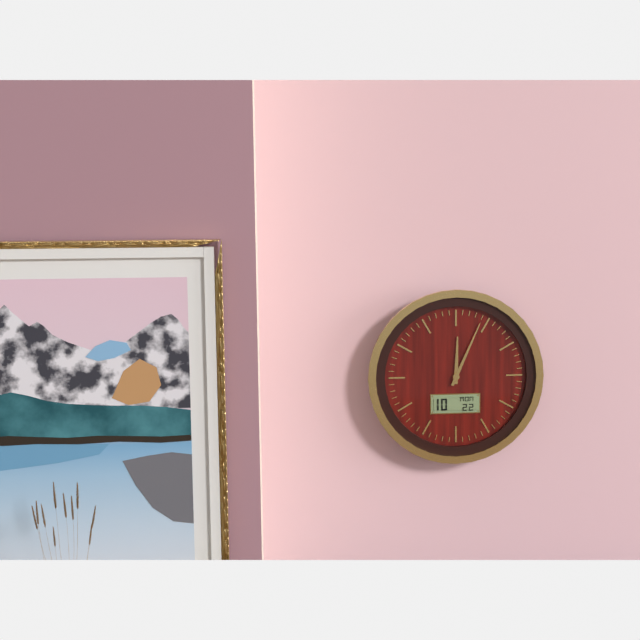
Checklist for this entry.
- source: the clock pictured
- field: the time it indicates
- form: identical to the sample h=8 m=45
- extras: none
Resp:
h=12 m=4
